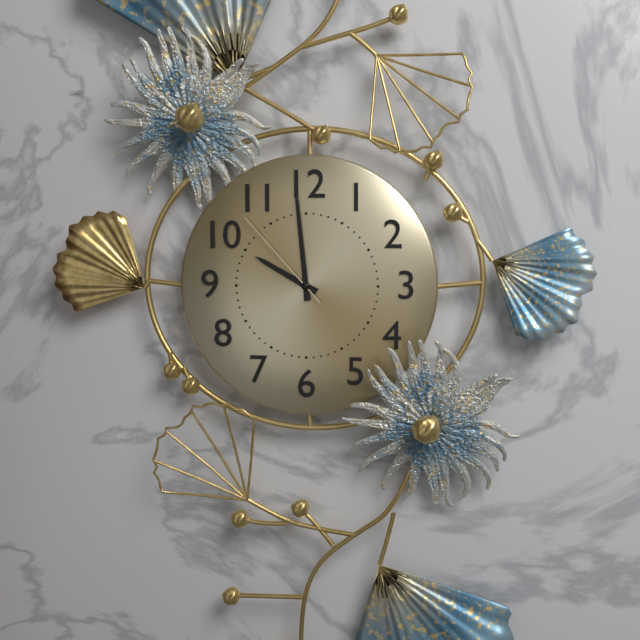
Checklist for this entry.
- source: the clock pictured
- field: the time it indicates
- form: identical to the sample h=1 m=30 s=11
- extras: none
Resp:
h=9 m=59 s=53
